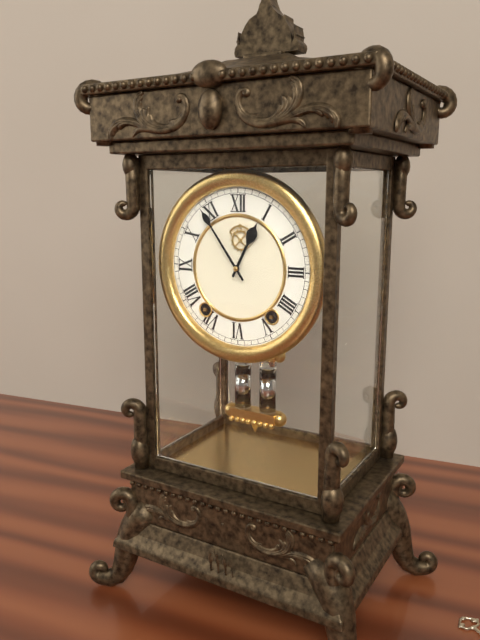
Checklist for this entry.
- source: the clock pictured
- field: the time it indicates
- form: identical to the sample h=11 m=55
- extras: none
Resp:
h=12 m=54
